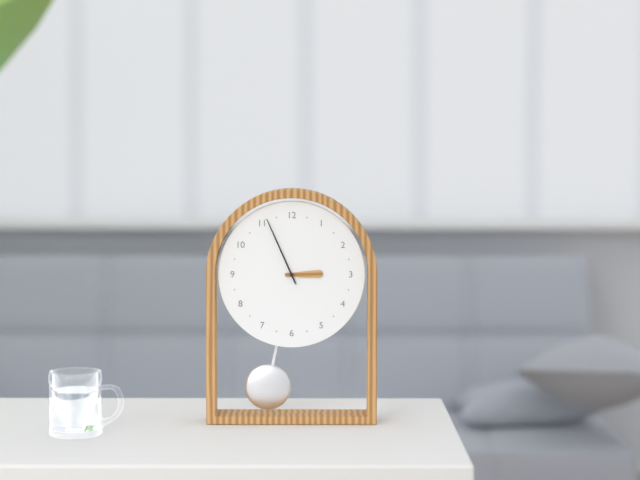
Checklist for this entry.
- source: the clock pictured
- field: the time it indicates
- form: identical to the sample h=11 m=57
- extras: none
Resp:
h=2 m=56
